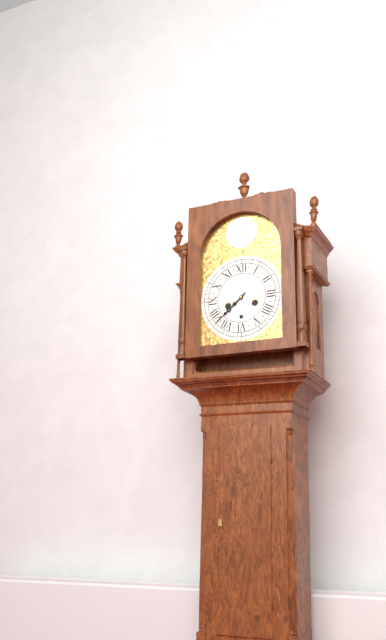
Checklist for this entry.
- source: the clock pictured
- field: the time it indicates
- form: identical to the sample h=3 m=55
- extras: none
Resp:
h=7 m=38
